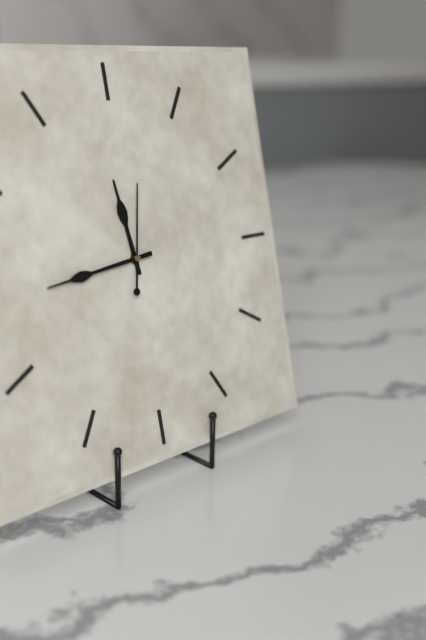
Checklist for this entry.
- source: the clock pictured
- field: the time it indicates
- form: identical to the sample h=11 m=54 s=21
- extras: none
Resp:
h=11 m=44 s=2
